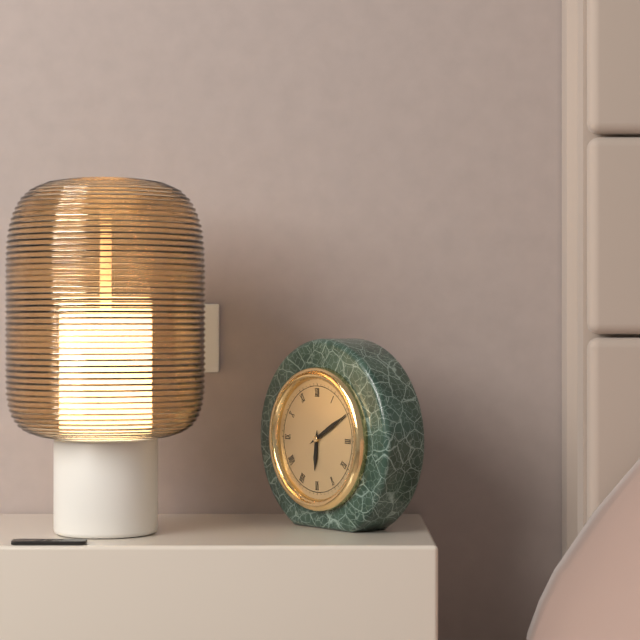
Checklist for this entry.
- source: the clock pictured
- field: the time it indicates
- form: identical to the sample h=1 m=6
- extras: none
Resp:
h=6 m=10
